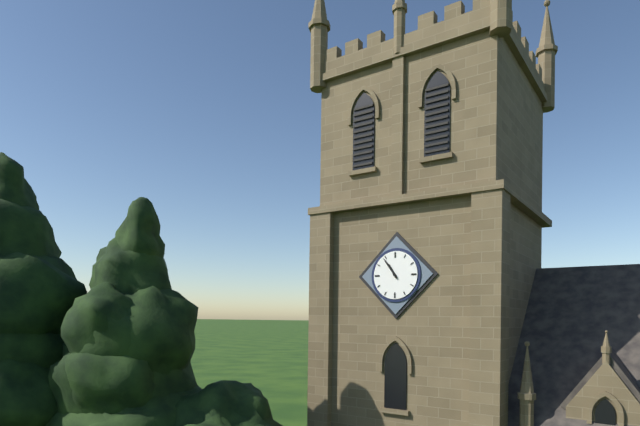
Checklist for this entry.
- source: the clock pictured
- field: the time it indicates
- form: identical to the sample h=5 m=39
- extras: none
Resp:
h=10 m=54
